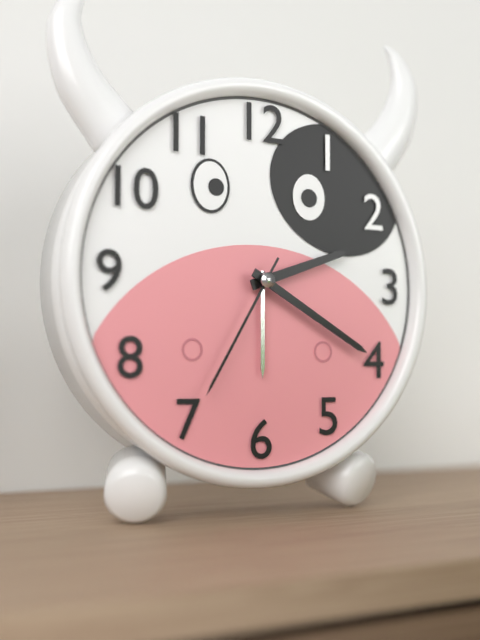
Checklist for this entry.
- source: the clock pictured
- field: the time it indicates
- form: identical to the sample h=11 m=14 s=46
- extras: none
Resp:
h=2 m=20 s=35
